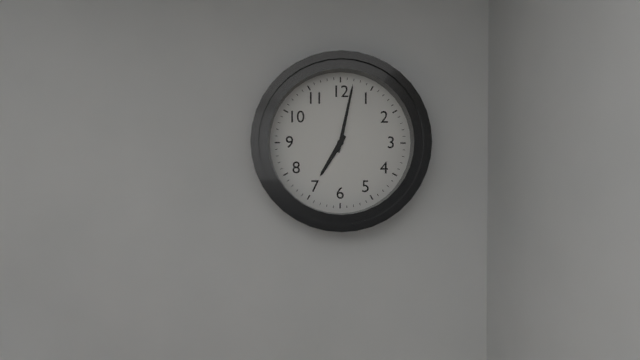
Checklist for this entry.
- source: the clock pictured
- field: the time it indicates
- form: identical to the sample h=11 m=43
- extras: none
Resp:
h=7 m=2
